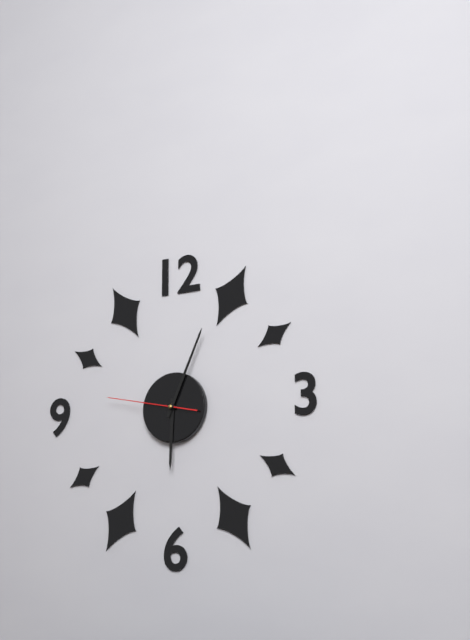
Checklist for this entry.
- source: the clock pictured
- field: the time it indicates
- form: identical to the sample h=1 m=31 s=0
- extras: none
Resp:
h=6 m=4 s=47
